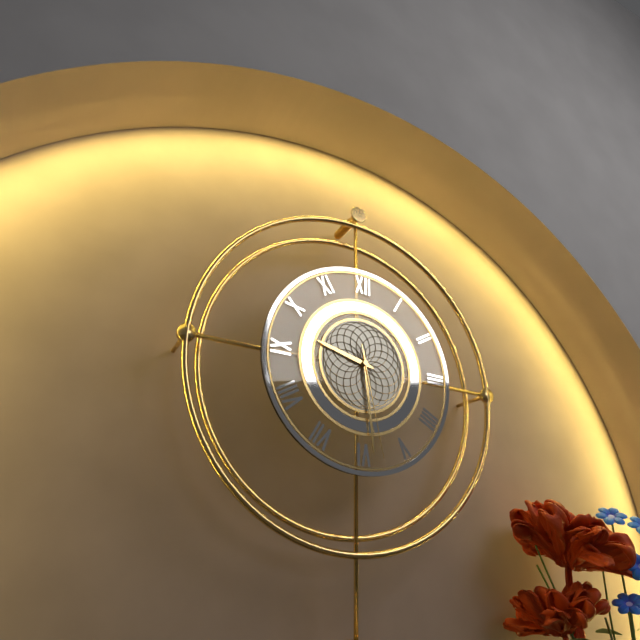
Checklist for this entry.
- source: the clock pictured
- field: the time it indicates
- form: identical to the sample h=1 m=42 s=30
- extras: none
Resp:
h=9 m=29 s=28
